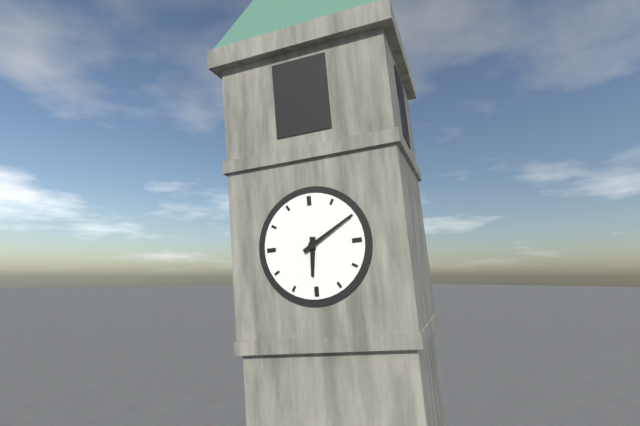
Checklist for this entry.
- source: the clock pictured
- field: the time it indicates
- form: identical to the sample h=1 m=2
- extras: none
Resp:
h=6 m=10
